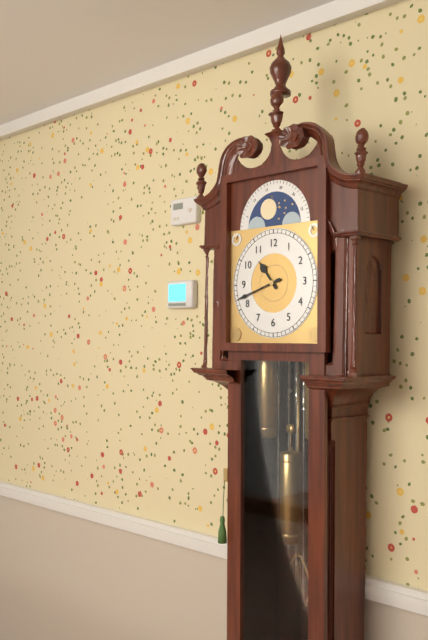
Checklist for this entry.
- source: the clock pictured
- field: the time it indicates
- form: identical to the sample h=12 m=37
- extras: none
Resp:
h=10 m=42
